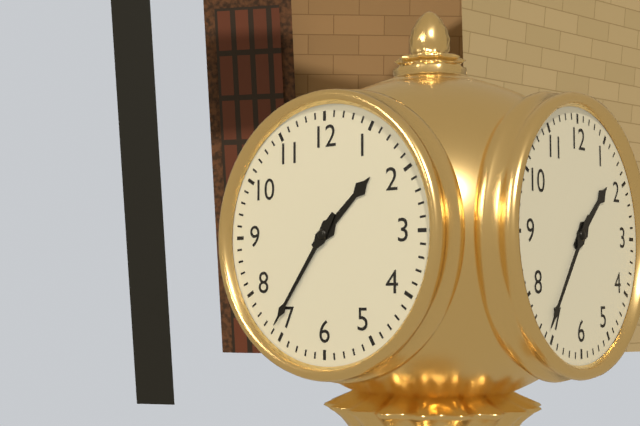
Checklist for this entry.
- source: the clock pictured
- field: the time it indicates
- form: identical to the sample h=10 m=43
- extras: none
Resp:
h=1 m=36
